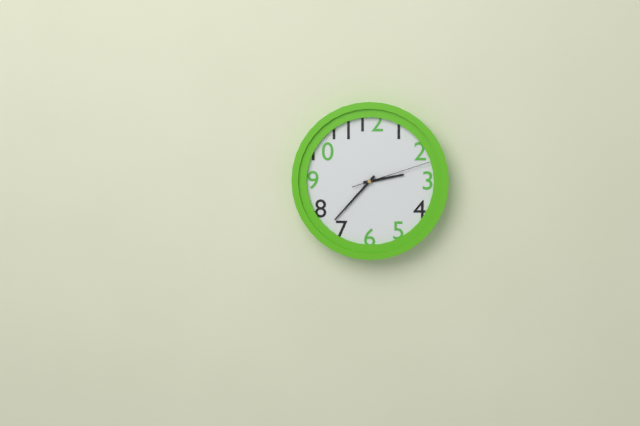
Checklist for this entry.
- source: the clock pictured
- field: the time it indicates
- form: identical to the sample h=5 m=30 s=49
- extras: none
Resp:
h=2 m=37 s=12
